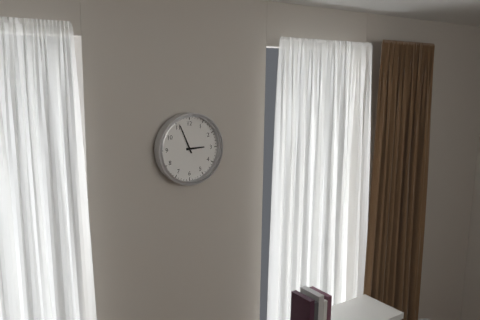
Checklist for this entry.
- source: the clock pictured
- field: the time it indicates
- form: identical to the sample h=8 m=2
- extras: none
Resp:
h=2 m=56
